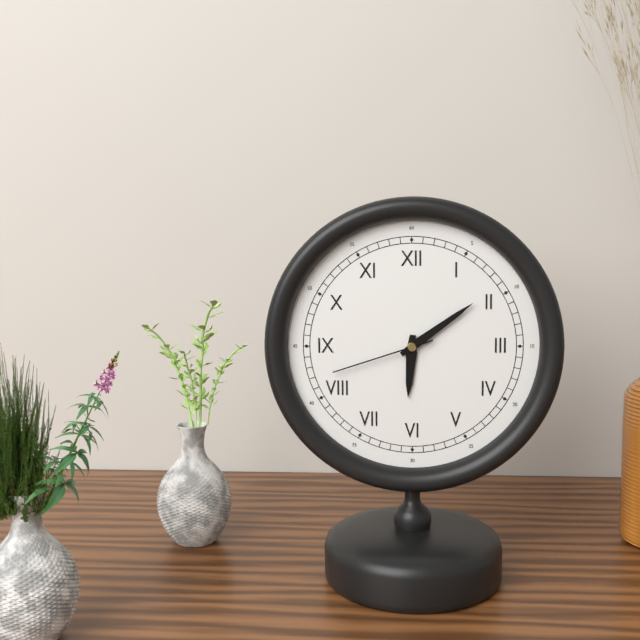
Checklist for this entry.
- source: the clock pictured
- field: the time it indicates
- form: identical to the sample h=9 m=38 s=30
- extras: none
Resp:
h=6 m=9 s=42
